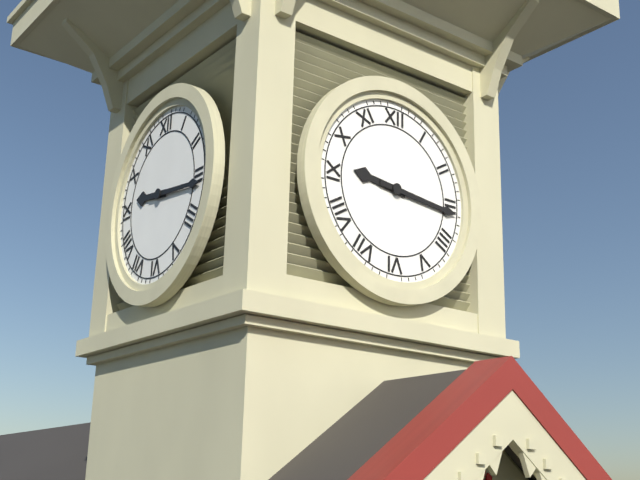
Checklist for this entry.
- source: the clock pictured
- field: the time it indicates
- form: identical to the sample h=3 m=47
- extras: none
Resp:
h=9 m=16
